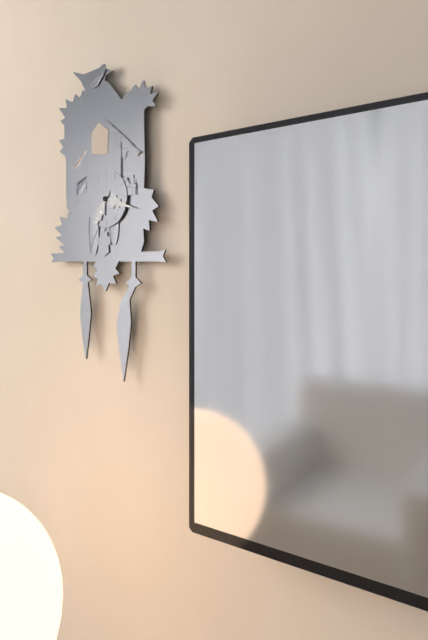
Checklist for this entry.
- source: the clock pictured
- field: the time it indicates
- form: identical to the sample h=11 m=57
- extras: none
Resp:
h=3 m=35
